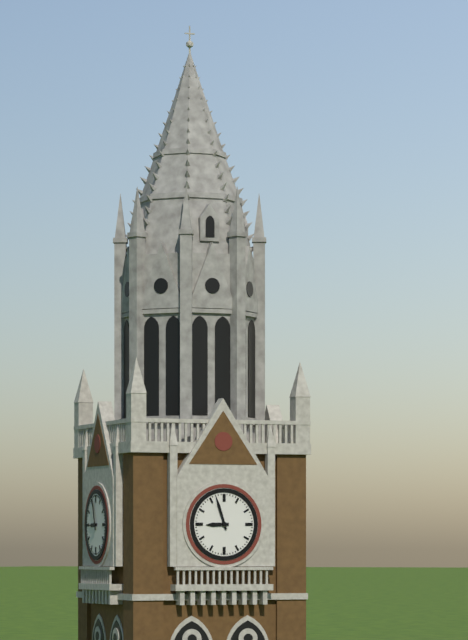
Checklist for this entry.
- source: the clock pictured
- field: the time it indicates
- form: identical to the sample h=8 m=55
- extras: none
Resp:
h=8 m=57
